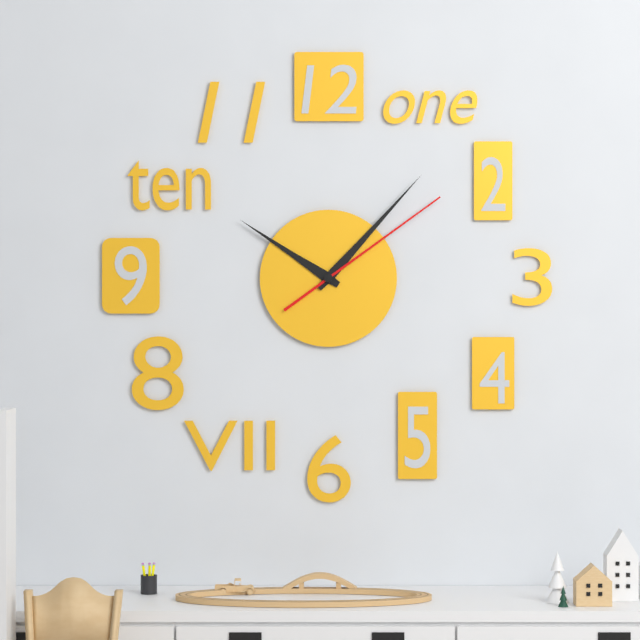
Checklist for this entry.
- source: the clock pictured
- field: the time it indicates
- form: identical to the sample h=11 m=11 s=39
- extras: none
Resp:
h=10 m=7 s=9
